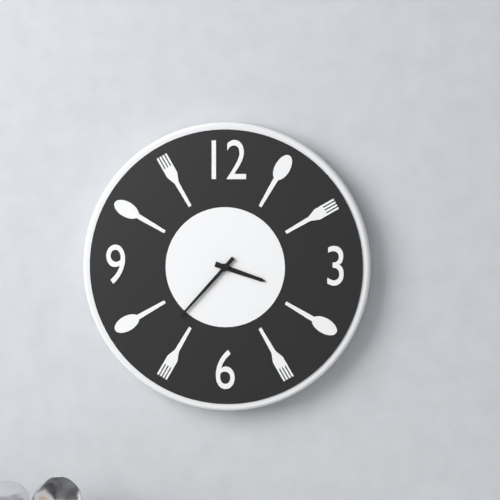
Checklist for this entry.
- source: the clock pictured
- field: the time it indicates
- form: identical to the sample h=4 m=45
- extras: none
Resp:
h=3 m=37
